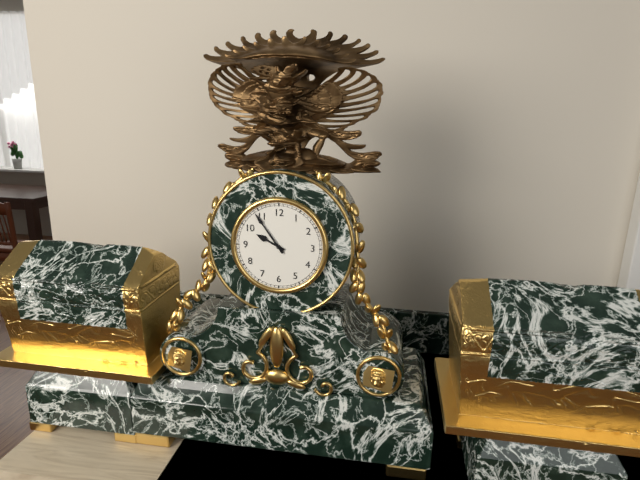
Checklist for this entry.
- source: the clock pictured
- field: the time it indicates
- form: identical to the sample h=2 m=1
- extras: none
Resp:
h=9 m=54
